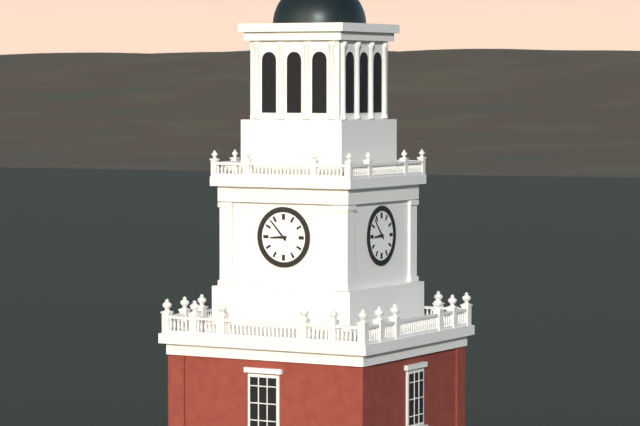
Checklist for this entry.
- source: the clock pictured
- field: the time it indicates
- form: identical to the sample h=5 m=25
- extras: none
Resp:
h=8 m=53
